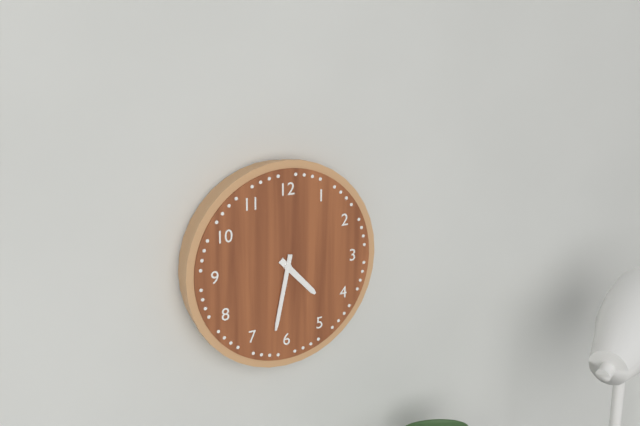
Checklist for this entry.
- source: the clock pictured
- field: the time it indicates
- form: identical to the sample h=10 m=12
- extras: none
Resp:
h=4 m=32
